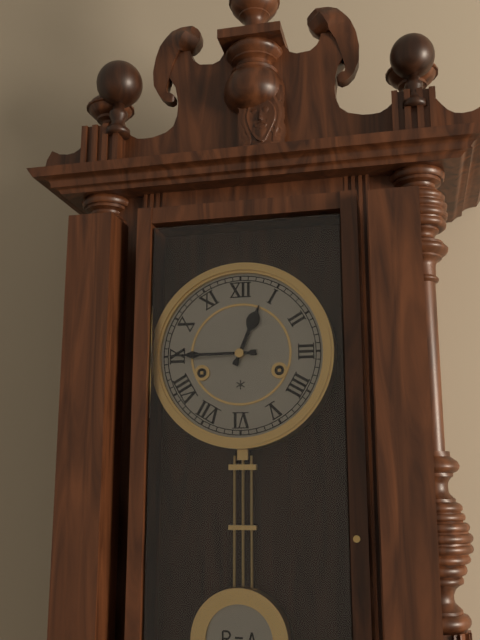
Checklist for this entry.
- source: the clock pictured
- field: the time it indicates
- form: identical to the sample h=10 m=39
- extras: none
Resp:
h=12 m=45
